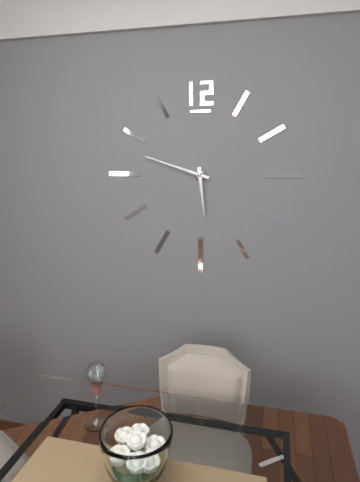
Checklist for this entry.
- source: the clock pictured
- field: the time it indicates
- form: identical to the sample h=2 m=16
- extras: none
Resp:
h=5 m=48
